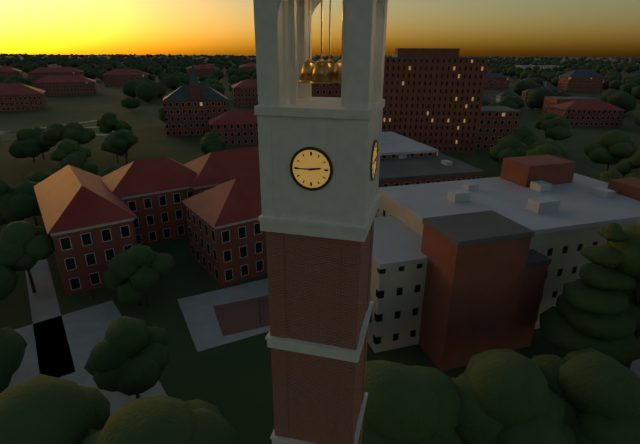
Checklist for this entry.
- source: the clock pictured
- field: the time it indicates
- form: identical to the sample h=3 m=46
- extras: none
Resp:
h=2 m=45
